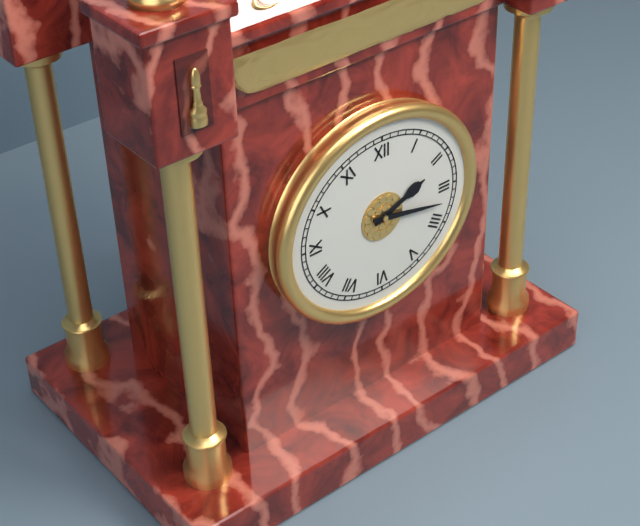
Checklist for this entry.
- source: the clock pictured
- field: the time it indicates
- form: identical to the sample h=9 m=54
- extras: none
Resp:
h=2 m=17
